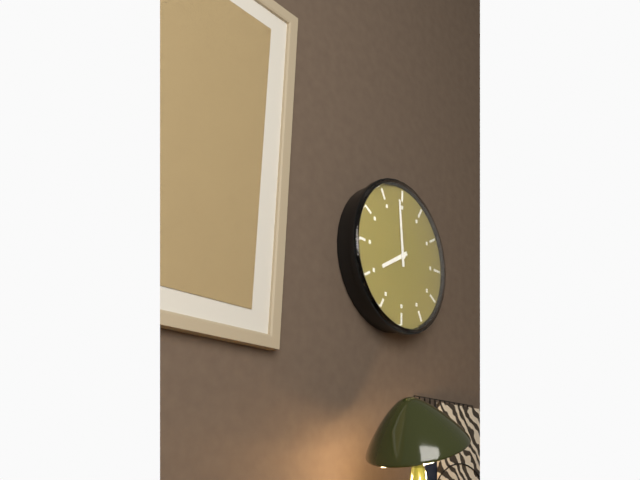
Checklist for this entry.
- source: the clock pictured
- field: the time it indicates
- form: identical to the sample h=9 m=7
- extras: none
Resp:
h=7 m=59
